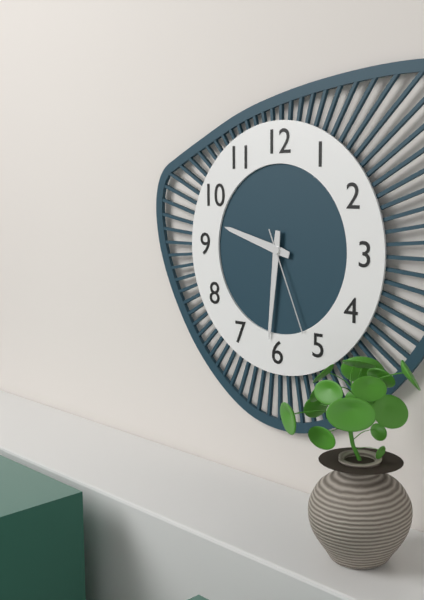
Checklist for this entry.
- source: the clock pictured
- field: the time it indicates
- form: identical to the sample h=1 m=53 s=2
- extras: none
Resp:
h=9 m=31 s=26
